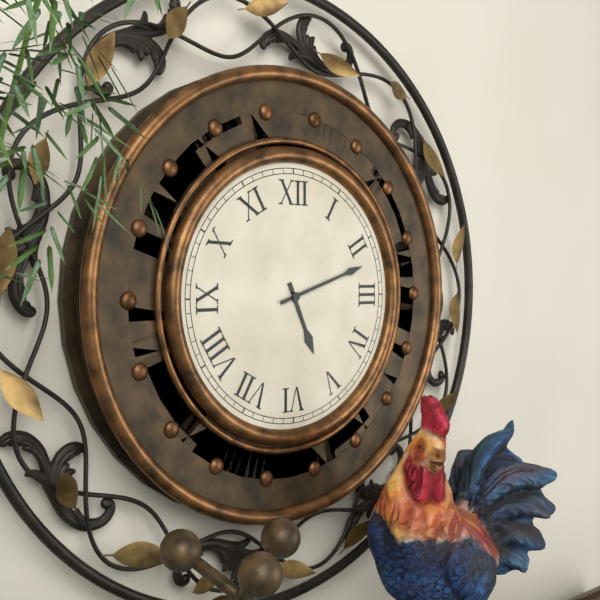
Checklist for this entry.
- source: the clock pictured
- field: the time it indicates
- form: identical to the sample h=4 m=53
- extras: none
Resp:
h=5 m=12
